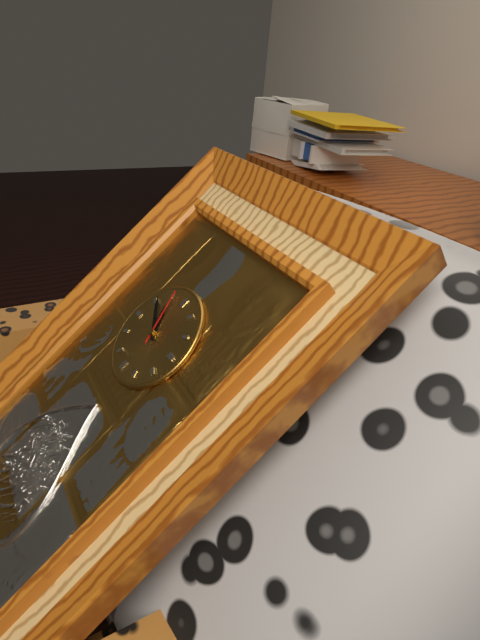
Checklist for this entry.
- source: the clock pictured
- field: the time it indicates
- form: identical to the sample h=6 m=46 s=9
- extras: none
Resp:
h=10 m=51 s=56
